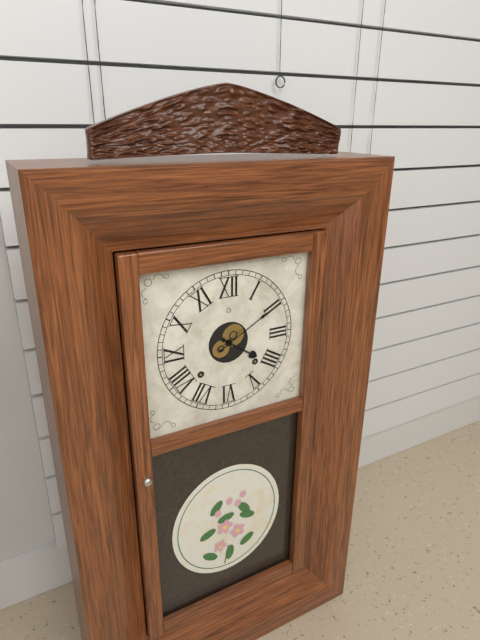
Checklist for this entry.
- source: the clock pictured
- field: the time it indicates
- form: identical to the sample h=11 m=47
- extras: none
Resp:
h=4 m=10
